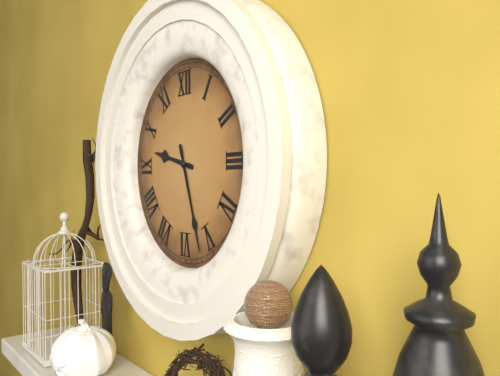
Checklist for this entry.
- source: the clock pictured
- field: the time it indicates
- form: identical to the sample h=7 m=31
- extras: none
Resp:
h=9 m=27
